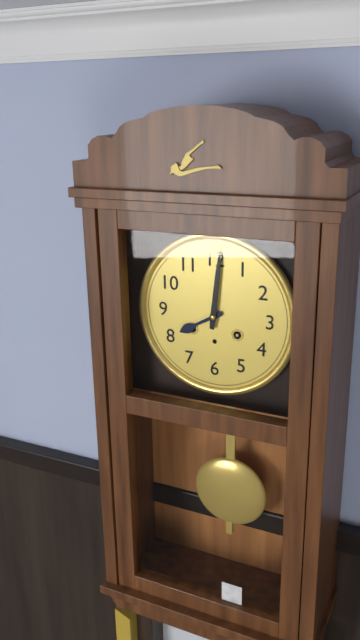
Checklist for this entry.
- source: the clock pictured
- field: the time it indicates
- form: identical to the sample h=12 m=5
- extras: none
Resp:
h=8 m=1
